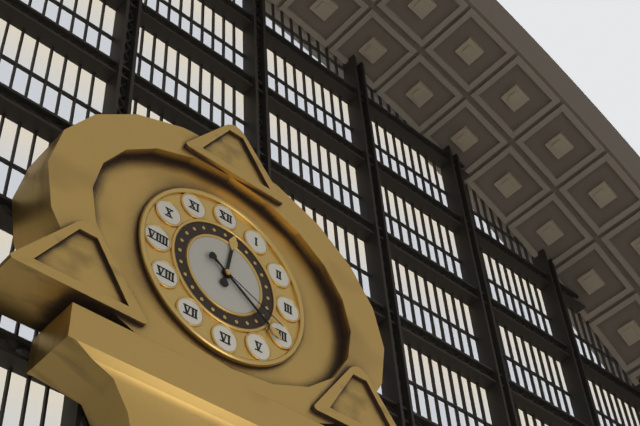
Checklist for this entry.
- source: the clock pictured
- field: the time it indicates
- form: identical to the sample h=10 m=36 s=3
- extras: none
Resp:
h=12 m=21 s=19
